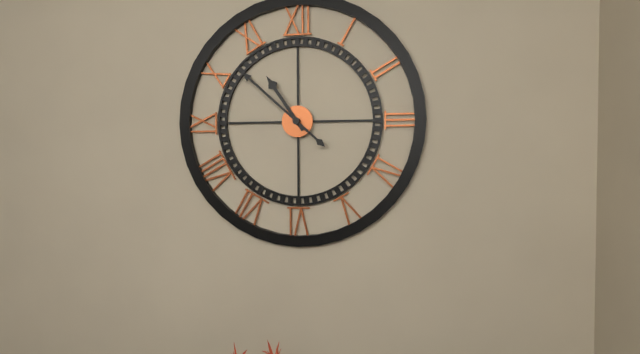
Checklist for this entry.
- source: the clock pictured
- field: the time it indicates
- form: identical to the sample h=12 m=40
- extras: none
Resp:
h=10 m=52
